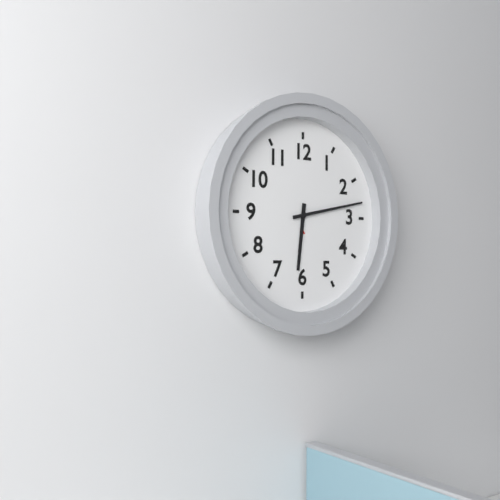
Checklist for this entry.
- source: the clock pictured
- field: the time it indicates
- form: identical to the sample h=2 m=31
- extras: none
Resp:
h=6 m=13
